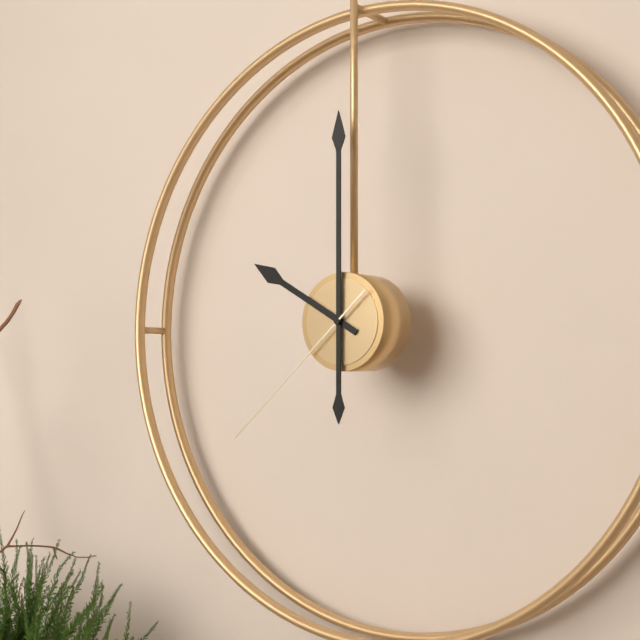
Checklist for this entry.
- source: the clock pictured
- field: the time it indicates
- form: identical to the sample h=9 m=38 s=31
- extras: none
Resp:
h=10 m=0 s=38
